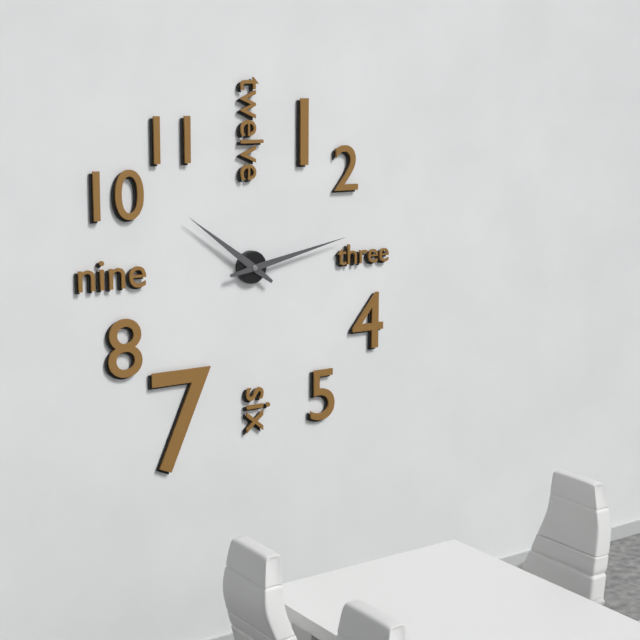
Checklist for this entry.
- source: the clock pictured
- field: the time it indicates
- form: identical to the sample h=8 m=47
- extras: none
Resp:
h=10 m=13
